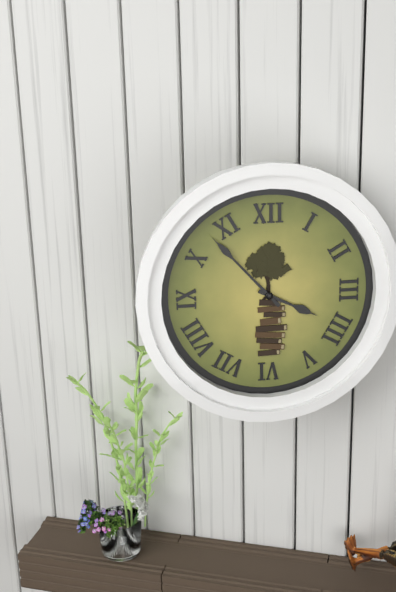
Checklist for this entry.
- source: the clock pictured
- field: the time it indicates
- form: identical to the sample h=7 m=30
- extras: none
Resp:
h=3 m=53
